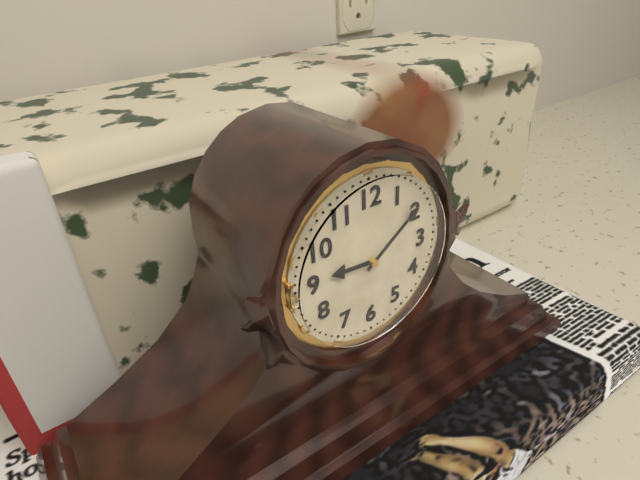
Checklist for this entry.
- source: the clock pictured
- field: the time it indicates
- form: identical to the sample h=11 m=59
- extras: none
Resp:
h=9 m=9
